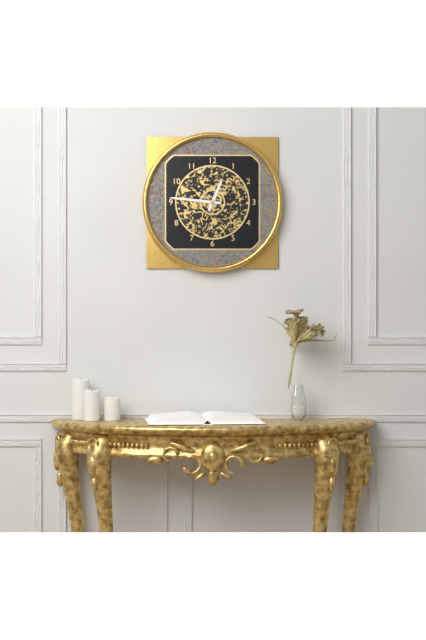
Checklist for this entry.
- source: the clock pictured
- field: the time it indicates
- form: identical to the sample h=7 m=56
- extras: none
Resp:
h=12 m=46
